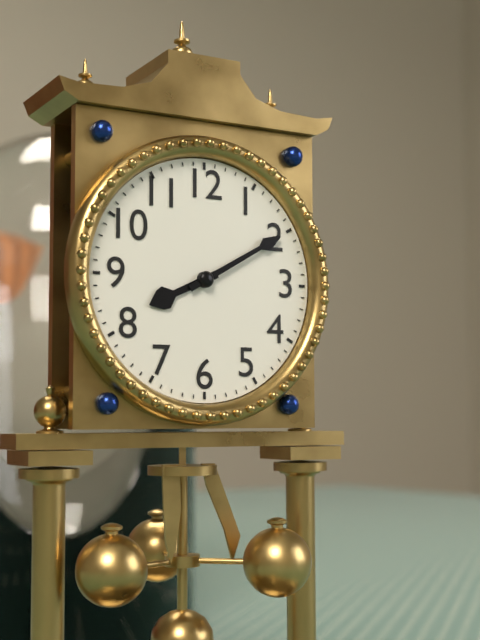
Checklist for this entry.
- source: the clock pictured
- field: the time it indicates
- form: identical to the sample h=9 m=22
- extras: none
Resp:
h=8 m=10
